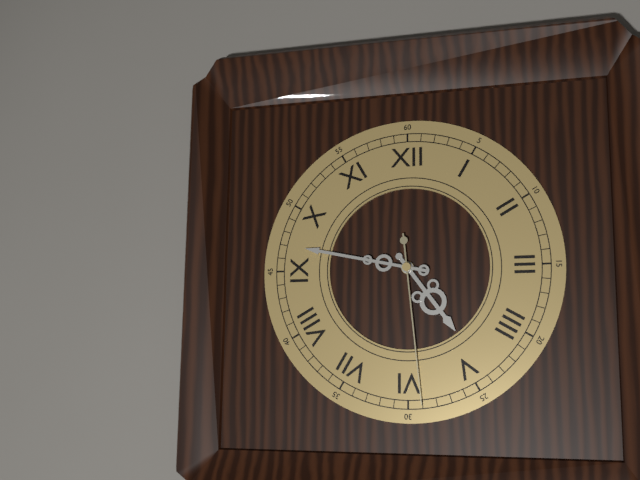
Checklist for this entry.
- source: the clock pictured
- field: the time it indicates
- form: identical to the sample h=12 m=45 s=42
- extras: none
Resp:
h=4 m=47 s=29
